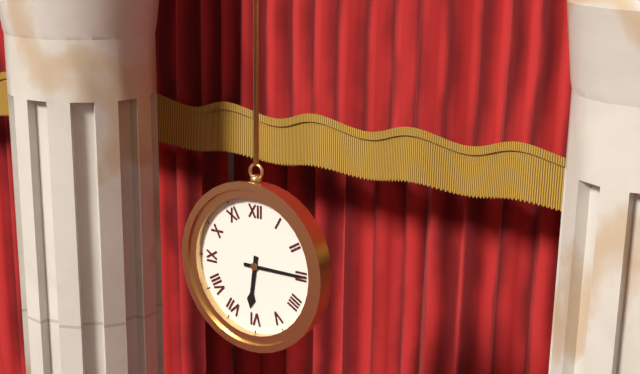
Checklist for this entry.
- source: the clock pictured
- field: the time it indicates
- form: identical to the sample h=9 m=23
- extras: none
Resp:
h=6 m=15
